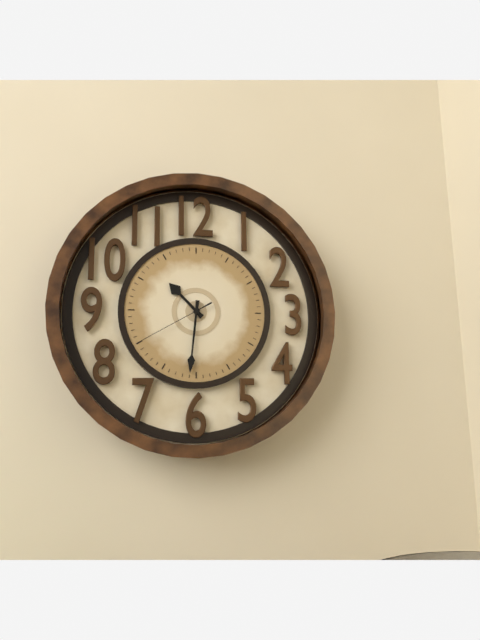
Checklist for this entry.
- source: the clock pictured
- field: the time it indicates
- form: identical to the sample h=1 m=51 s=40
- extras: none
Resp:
h=10 m=31 s=40
